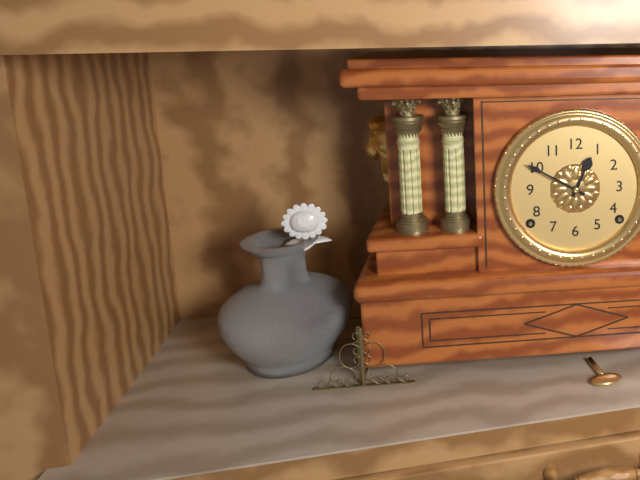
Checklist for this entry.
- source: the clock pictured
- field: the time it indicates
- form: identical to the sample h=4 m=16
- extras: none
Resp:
h=12 m=50
